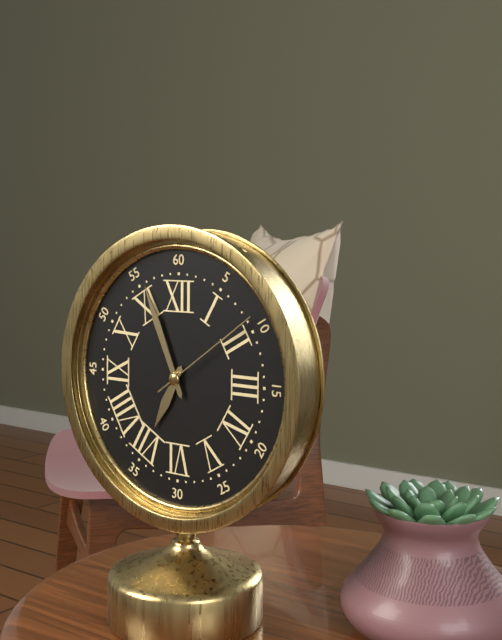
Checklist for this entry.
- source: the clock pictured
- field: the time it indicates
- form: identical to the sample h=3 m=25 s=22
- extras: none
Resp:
h=6 m=56 s=9
